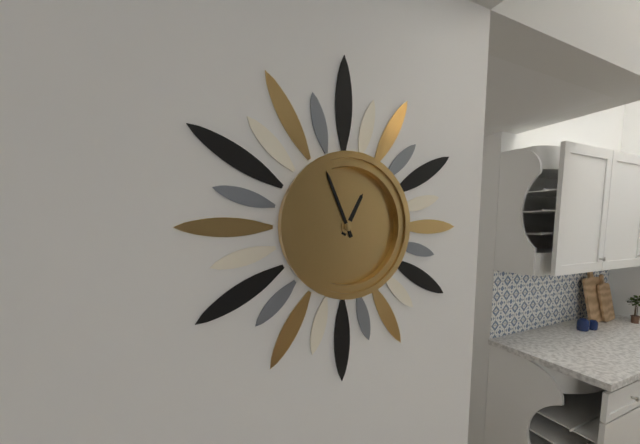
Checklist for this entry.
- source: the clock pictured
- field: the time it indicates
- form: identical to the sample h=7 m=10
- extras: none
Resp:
h=12 m=56
